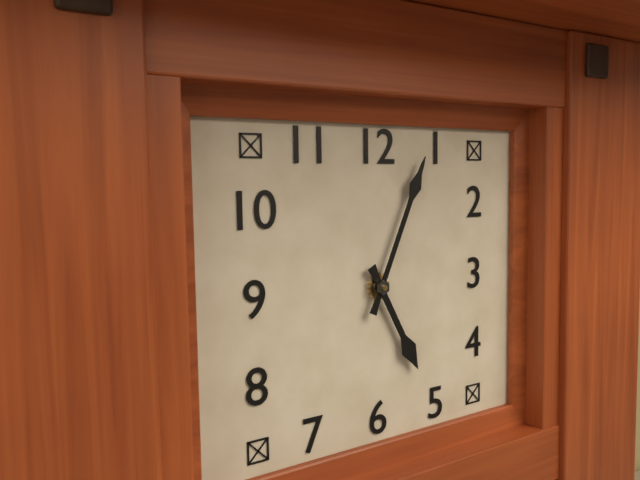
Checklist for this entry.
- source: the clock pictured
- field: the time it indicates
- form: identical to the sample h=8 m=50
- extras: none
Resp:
h=5 m=4
